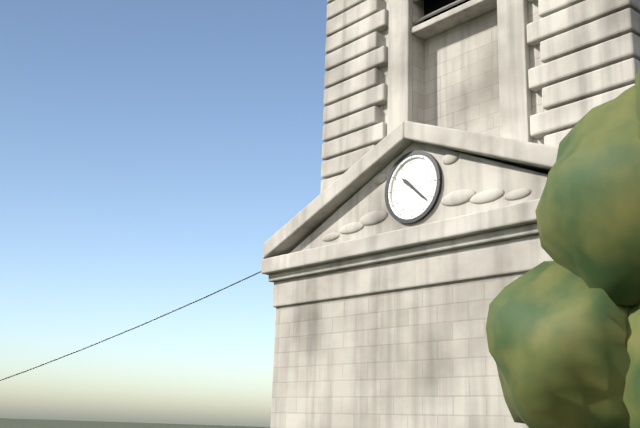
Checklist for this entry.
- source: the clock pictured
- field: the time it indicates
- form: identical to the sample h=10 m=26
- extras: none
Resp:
h=10 m=22
